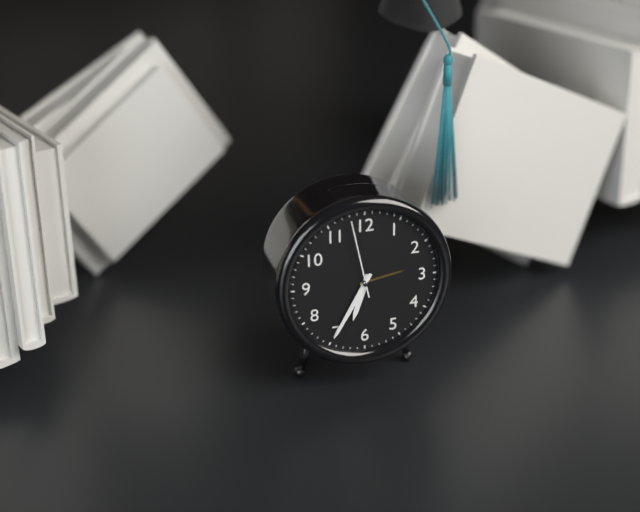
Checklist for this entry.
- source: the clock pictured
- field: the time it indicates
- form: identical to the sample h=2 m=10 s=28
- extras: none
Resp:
h=6 m=35 s=58
